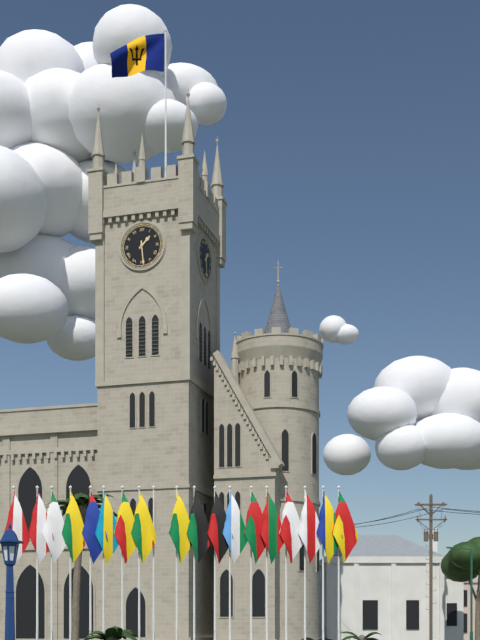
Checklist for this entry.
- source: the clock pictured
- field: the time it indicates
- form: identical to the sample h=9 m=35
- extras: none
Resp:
h=1 m=29
